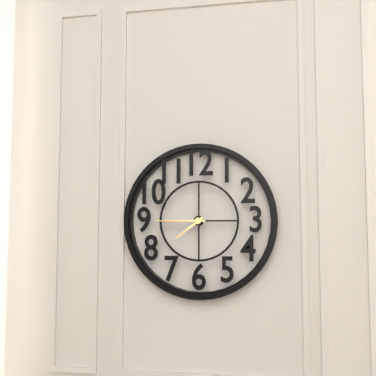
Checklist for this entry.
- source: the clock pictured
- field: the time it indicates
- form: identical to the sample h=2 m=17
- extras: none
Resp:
h=7 m=45
